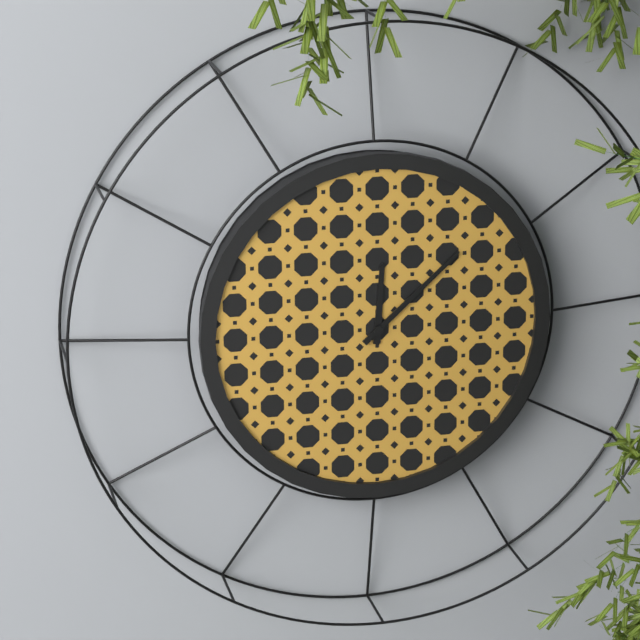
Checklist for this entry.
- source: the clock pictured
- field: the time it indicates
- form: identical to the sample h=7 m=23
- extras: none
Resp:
h=12 m=8
